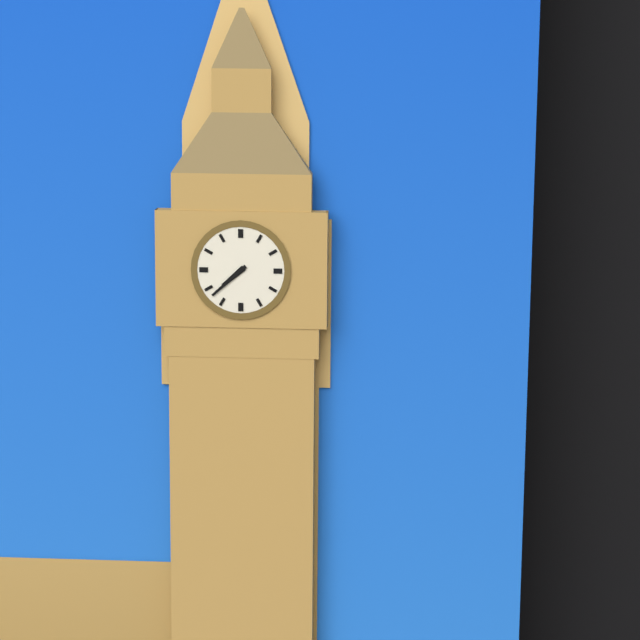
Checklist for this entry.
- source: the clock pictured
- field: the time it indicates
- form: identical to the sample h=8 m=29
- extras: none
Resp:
h=7 m=38
